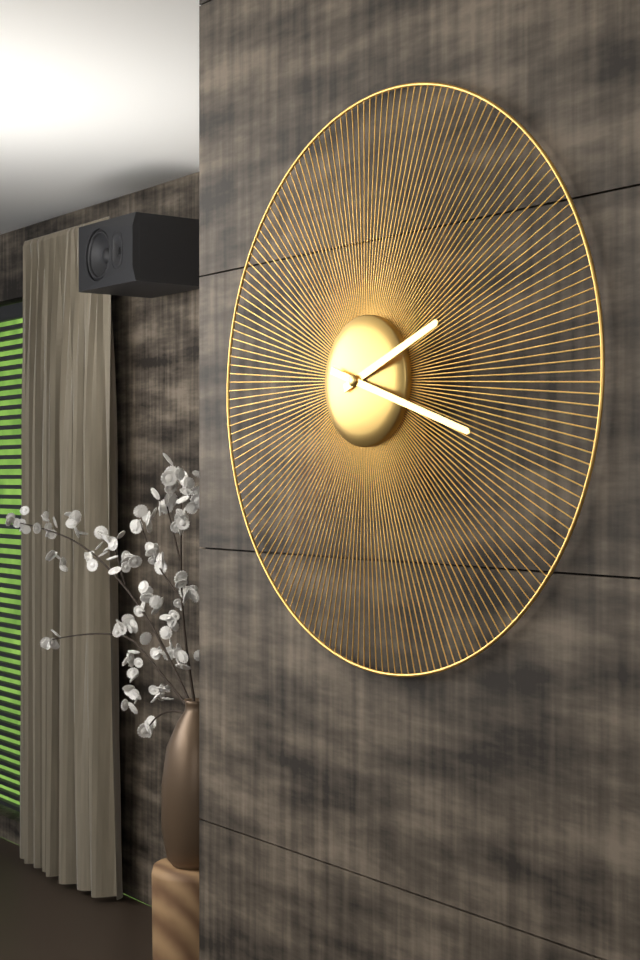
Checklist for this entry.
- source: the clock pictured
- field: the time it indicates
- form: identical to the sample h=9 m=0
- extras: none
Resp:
h=2 m=18
